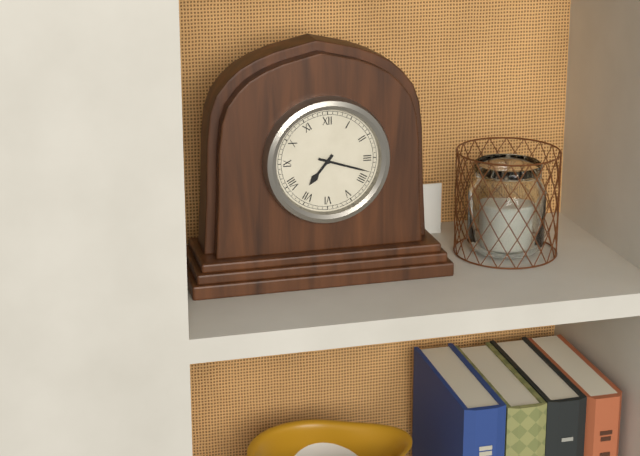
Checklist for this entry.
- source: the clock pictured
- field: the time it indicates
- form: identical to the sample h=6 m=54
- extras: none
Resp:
h=7 m=18
